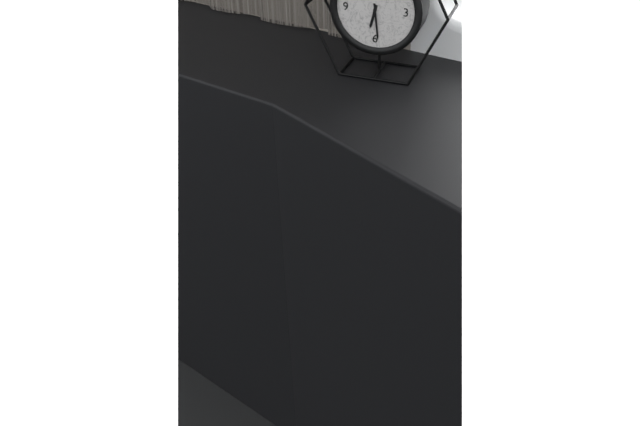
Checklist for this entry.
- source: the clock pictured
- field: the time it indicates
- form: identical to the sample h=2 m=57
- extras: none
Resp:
h=6 m=29
